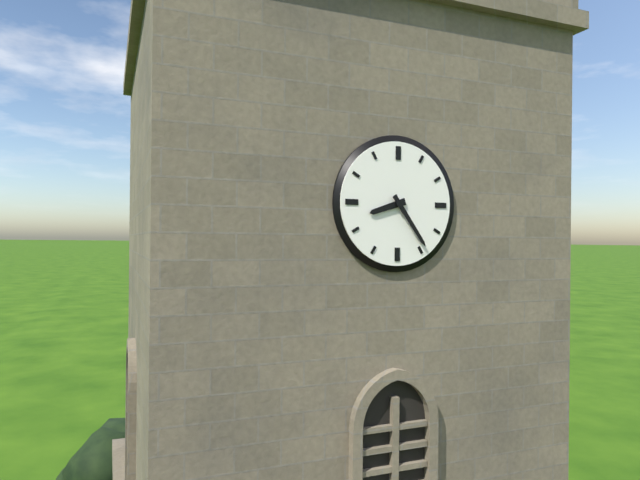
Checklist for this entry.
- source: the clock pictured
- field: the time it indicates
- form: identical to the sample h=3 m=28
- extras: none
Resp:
h=8 m=24
